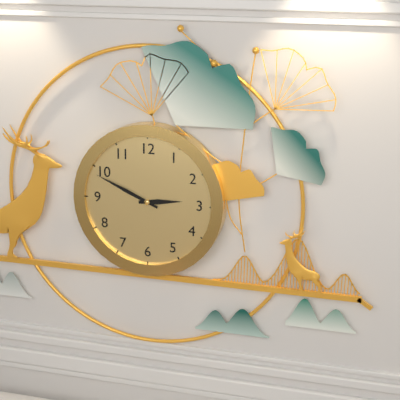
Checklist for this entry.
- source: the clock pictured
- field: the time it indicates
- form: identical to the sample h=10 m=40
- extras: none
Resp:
h=2 m=49
